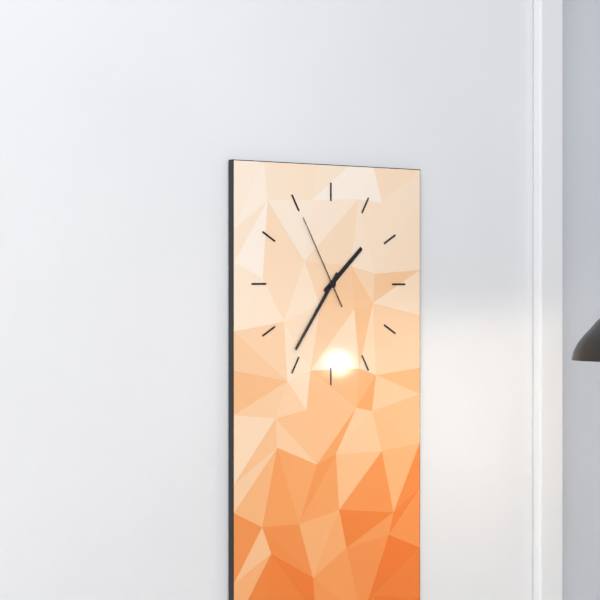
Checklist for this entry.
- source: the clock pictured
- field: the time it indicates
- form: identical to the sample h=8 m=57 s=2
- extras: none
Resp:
h=1 m=36 s=55
